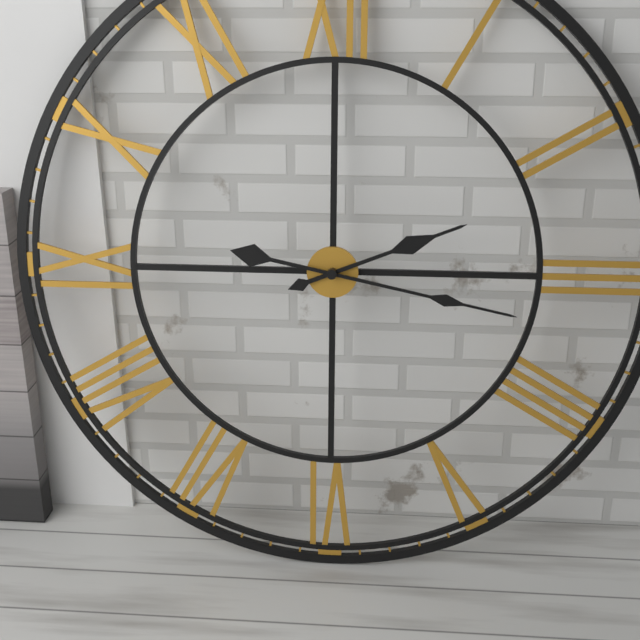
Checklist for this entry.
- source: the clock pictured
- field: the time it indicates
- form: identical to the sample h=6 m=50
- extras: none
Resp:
h=2 m=17
